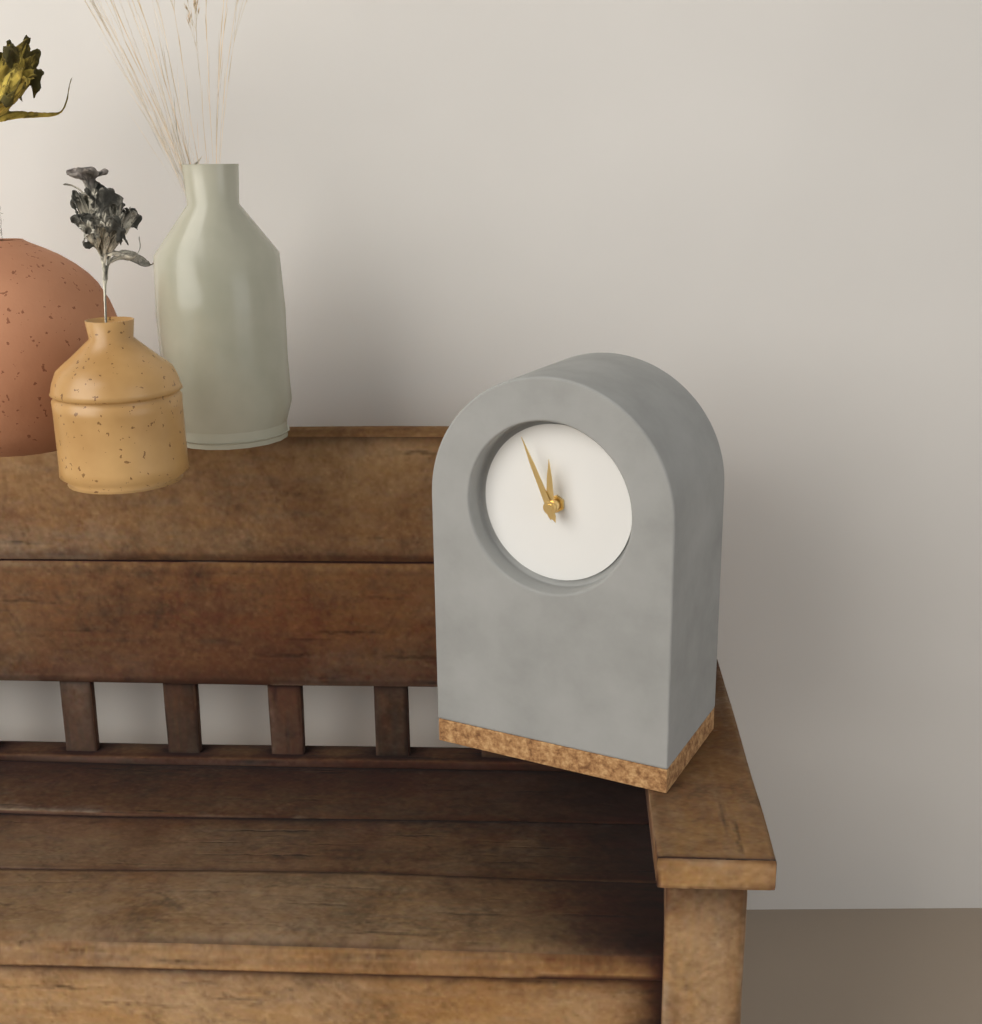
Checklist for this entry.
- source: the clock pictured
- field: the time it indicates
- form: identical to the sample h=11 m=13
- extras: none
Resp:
h=11 m=56
